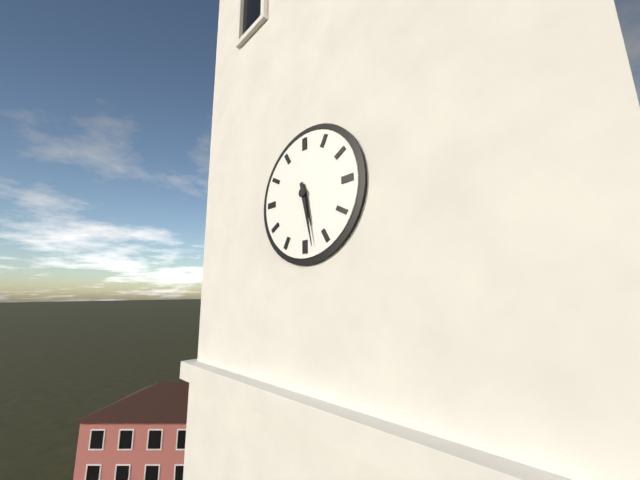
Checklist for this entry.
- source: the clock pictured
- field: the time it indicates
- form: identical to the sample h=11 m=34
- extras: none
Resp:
h=5 m=28
